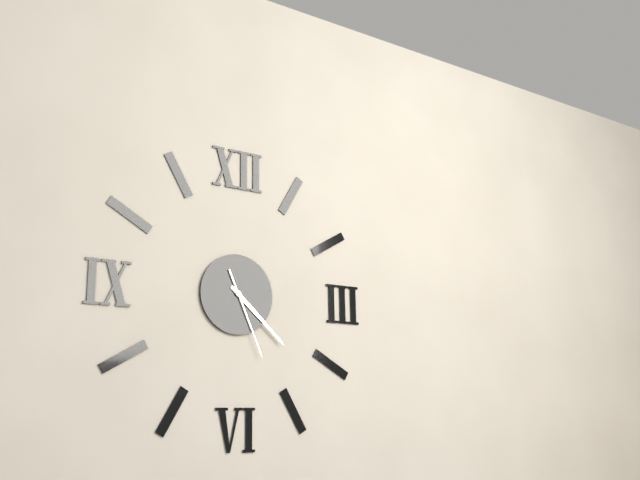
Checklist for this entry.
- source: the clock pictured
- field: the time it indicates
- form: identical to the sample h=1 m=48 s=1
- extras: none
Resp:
h=4 m=22 s=26
